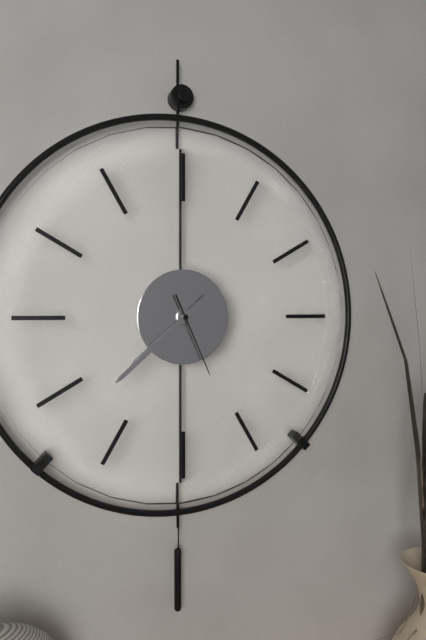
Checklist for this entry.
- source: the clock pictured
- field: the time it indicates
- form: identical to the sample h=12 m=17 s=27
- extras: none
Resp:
h=7 m=38 s=26
